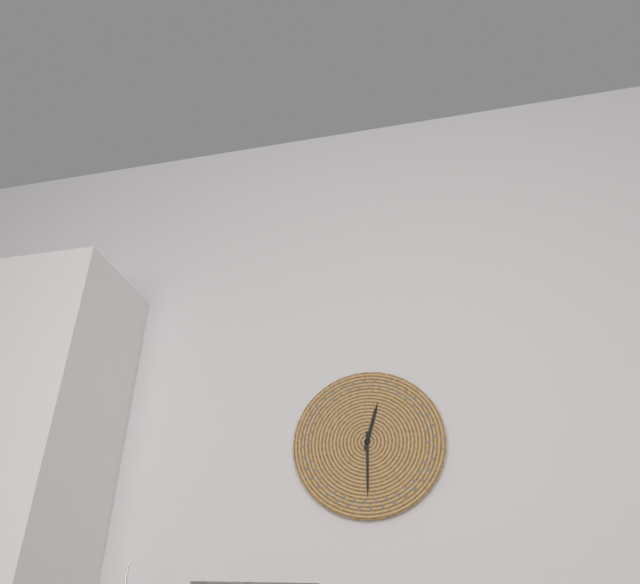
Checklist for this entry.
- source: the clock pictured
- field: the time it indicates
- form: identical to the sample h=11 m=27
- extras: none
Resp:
h=12 m=30
